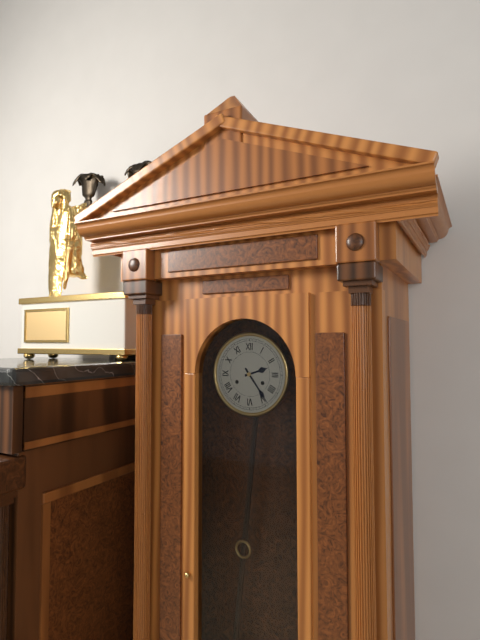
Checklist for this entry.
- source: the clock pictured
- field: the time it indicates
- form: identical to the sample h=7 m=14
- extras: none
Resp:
h=2 m=24
